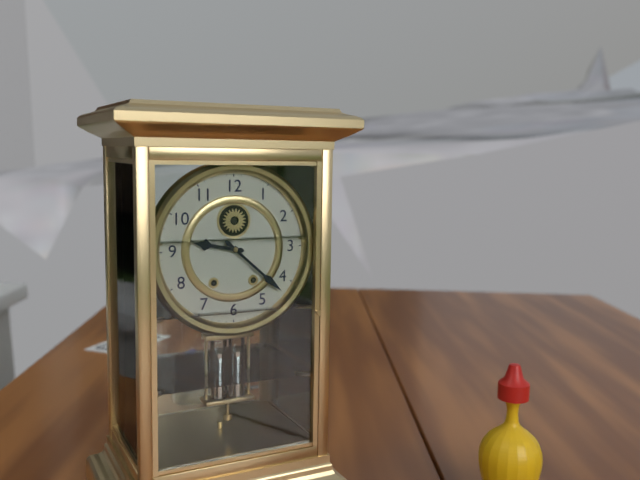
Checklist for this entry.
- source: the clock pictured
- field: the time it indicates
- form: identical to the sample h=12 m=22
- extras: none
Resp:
h=9 m=22
